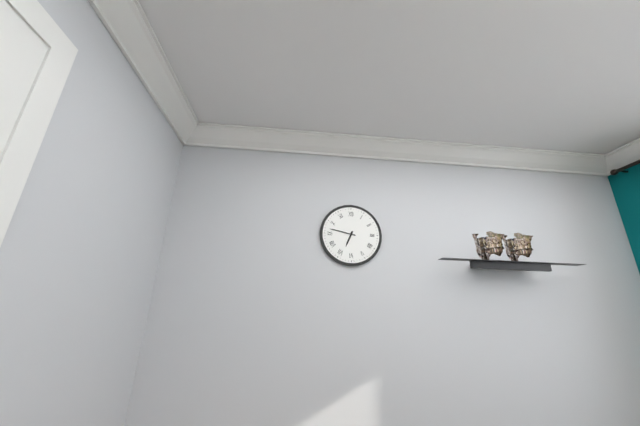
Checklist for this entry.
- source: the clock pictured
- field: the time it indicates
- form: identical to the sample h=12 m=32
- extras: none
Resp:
h=6 m=47
